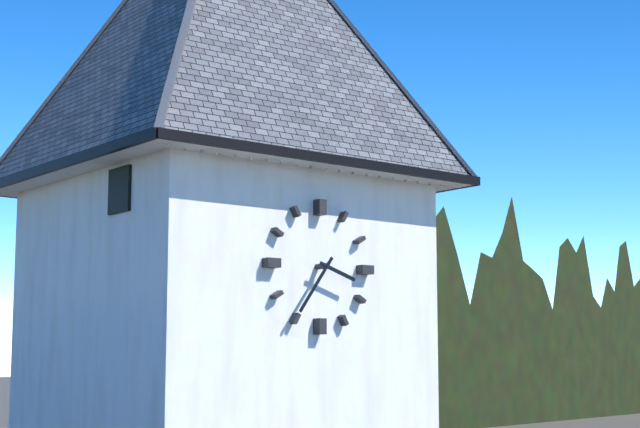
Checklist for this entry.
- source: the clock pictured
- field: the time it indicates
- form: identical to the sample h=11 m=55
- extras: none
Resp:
h=3 m=36
